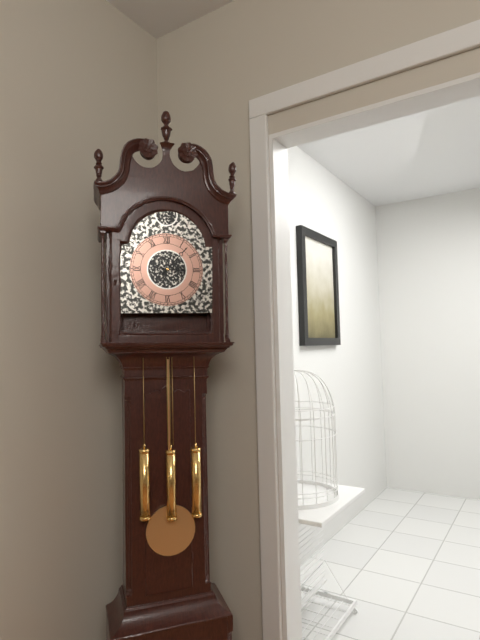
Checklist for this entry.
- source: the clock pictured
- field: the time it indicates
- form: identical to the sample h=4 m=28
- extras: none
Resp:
h=3 m=7
